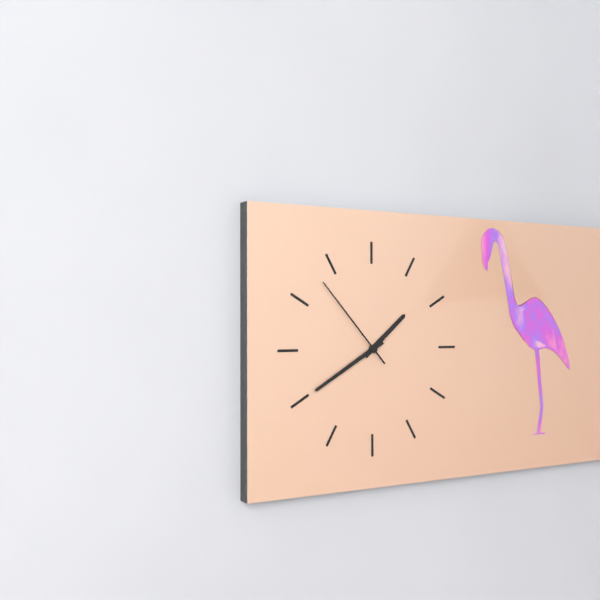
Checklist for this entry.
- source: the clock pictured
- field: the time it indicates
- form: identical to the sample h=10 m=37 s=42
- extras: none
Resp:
h=1 m=40 s=53
